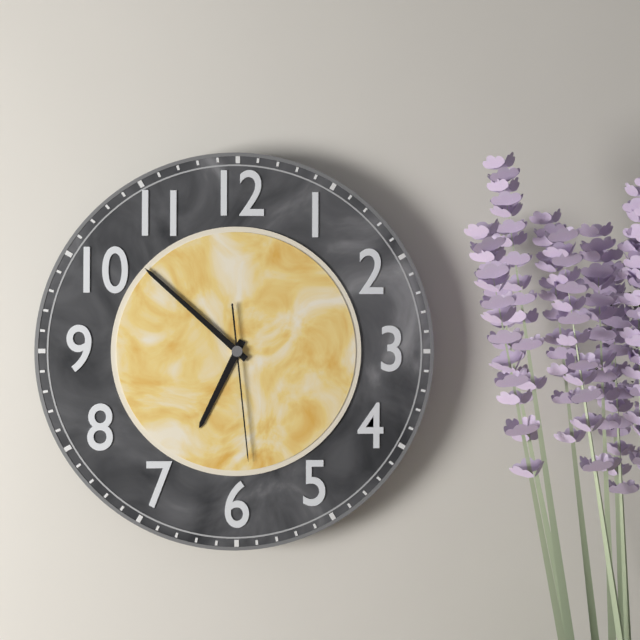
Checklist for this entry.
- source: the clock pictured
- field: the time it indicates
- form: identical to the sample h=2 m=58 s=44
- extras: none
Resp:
h=6 m=52 s=29
